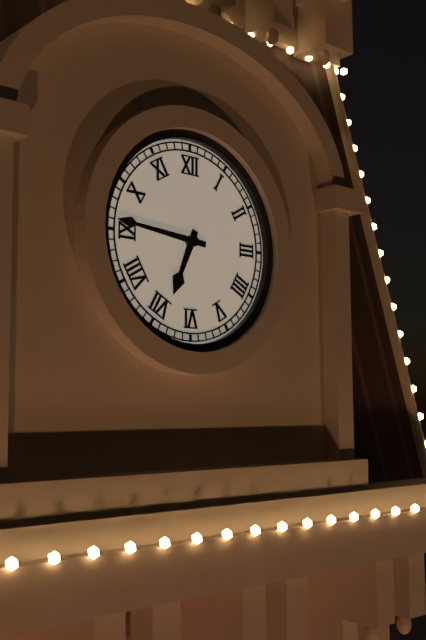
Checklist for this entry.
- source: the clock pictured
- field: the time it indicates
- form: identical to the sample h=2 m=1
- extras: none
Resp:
h=6 m=46
